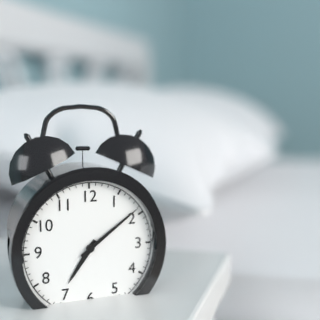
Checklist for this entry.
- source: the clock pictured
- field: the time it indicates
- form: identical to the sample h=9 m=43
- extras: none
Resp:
h=7 m=9
